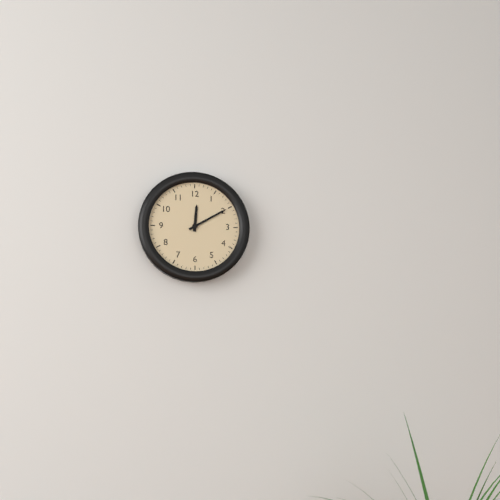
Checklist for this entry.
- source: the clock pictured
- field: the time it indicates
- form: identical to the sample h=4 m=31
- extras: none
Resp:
h=12 m=10
